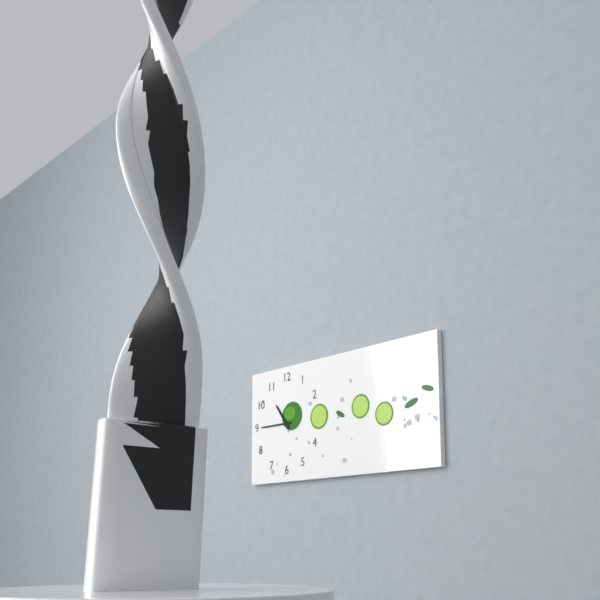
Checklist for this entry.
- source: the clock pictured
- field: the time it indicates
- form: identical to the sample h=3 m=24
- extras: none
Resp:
h=10 m=45
